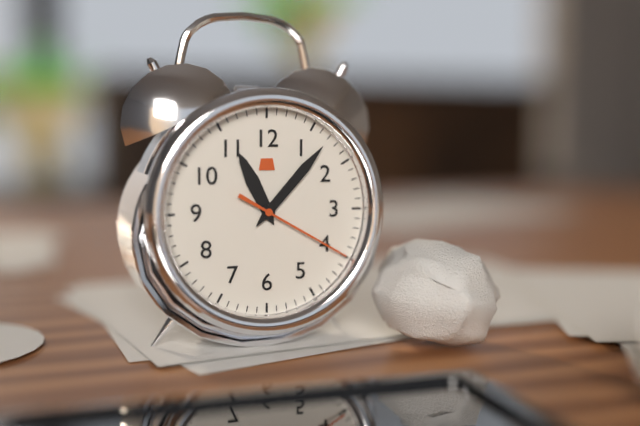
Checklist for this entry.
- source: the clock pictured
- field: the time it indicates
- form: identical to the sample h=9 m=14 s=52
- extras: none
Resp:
h=11 m=7 s=20
